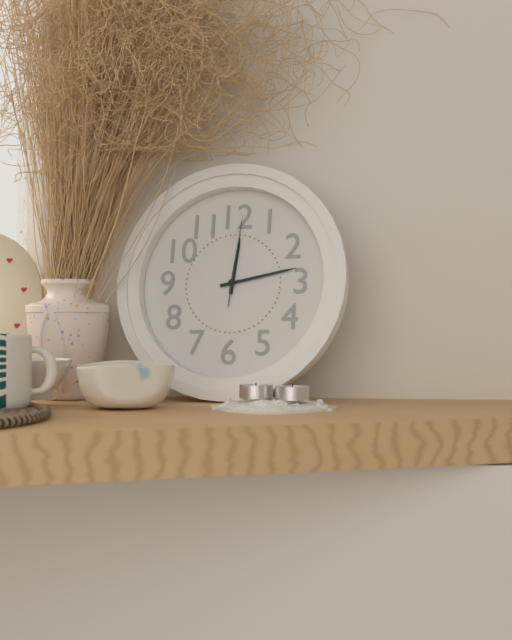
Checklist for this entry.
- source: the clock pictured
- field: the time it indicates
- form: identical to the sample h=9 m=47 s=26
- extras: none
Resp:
h=12 m=13 s=1
